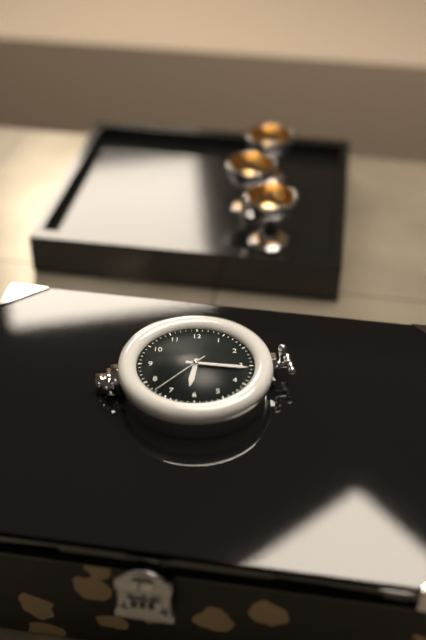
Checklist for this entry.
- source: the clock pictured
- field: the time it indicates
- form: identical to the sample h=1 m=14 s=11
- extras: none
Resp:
h=6 m=16 s=37
